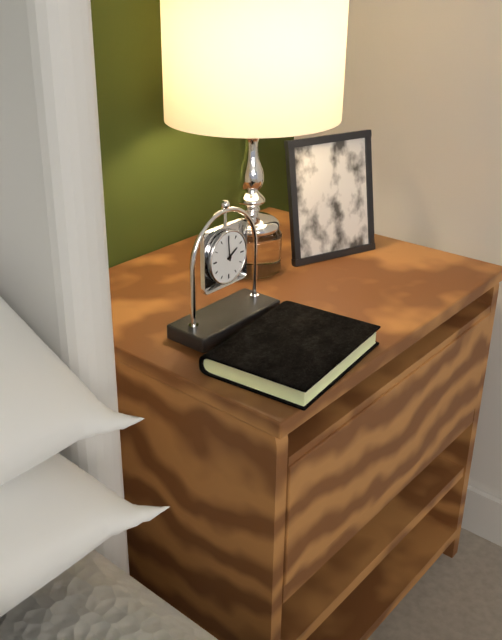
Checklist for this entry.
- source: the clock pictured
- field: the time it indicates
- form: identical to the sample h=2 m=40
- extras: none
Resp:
h=1 m=59
